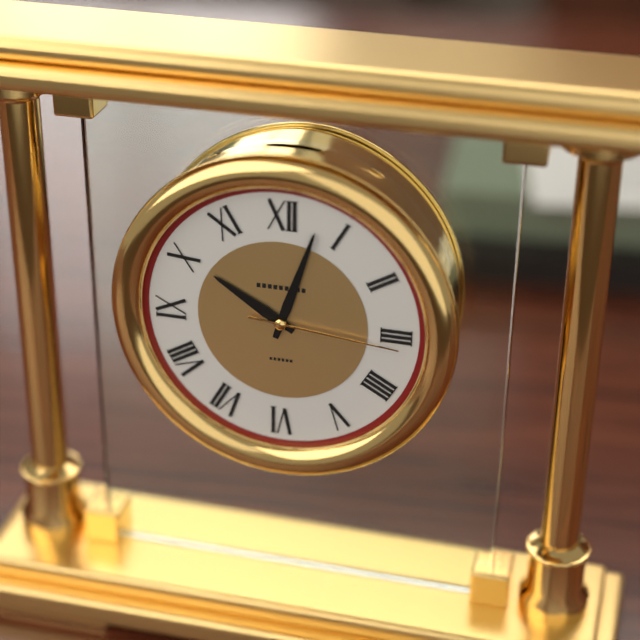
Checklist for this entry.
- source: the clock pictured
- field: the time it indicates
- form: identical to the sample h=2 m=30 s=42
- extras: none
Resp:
h=10 m=3 s=16
